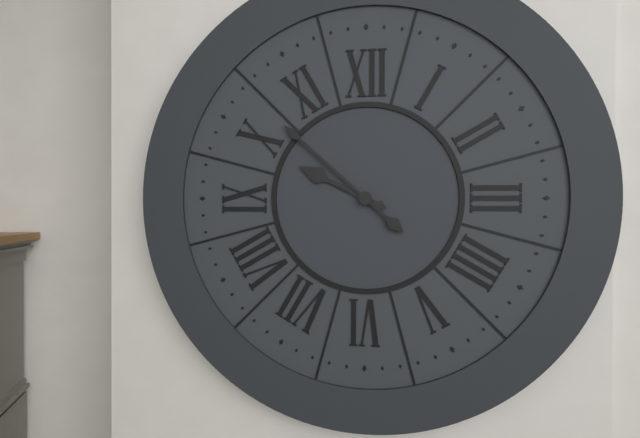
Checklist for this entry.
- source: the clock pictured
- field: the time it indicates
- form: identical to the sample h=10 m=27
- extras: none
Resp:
h=9 m=52
